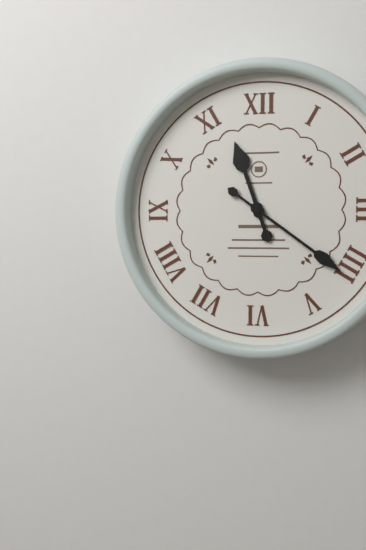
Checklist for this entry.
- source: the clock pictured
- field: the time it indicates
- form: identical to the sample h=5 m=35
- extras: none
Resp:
h=11 m=21
